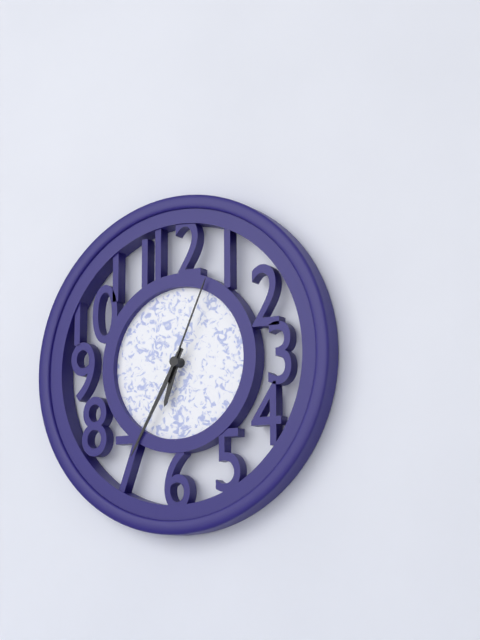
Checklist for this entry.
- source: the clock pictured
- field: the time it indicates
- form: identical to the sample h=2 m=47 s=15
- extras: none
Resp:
h=6 m=35 s=4
